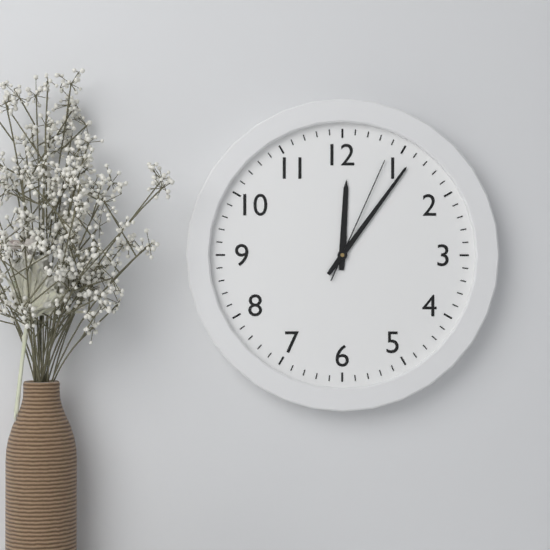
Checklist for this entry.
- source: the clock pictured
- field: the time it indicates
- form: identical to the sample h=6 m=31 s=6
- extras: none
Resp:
h=12 m=6 s=4
